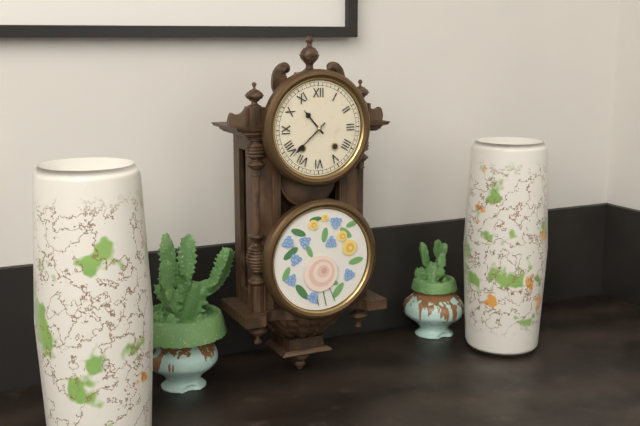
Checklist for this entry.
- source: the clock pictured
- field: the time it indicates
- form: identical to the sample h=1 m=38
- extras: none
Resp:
h=10 m=38
